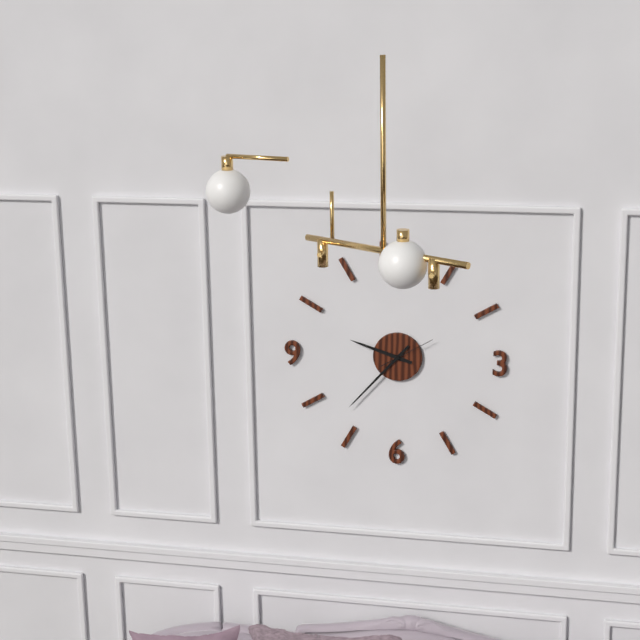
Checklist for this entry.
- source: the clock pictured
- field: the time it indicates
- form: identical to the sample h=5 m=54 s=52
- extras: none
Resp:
h=9 m=37 s=10
